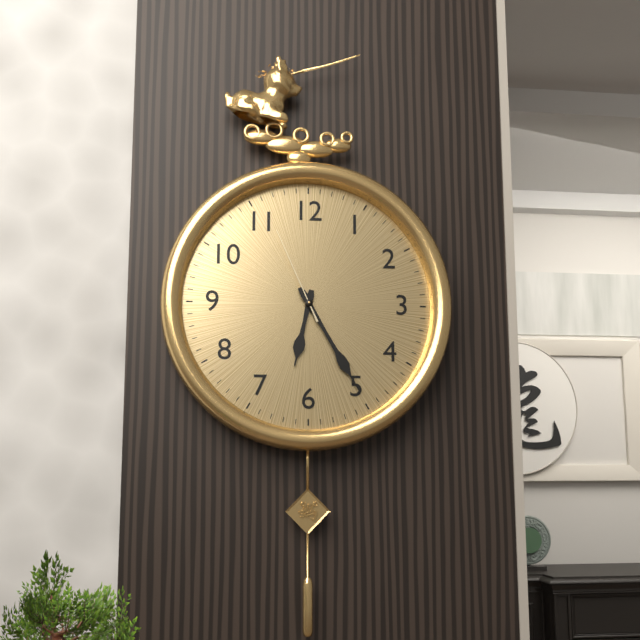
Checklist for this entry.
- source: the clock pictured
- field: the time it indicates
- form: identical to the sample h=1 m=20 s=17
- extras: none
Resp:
h=6 m=25 s=56
